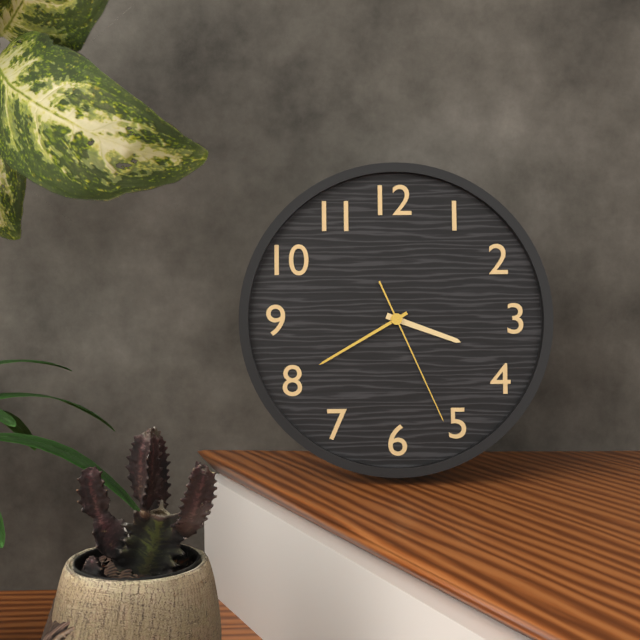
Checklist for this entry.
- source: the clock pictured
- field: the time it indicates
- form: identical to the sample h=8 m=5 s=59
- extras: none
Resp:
h=3 m=40 s=26
